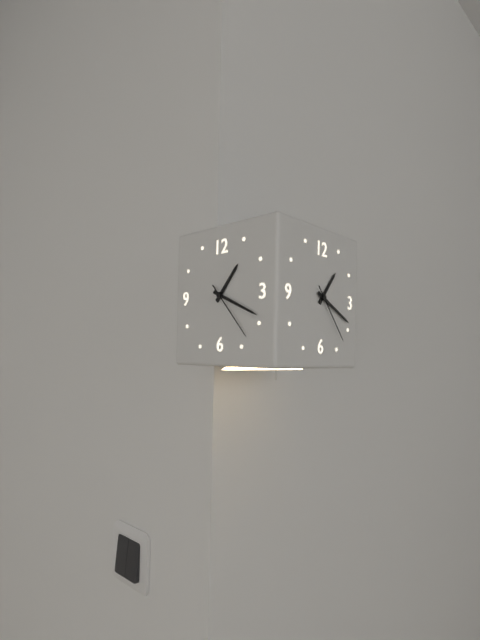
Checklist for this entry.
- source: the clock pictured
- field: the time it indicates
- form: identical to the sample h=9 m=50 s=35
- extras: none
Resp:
h=1 m=19 s=23
